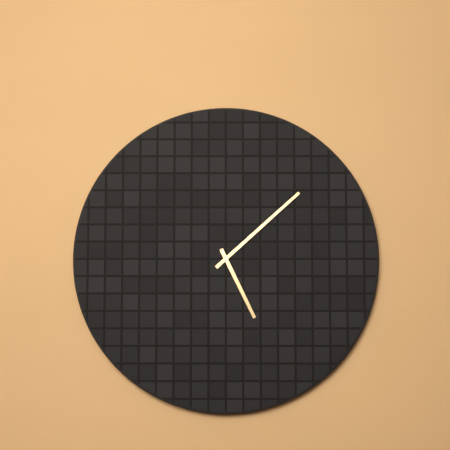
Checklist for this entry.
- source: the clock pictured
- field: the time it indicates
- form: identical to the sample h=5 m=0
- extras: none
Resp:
h=5 m=8
